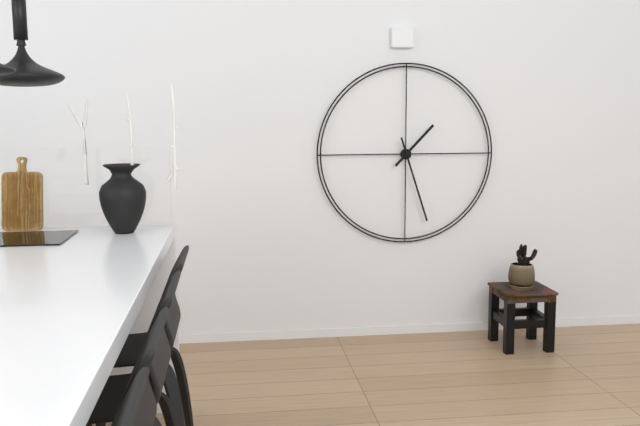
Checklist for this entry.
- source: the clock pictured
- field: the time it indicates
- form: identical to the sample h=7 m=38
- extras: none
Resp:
h=1 m=27
